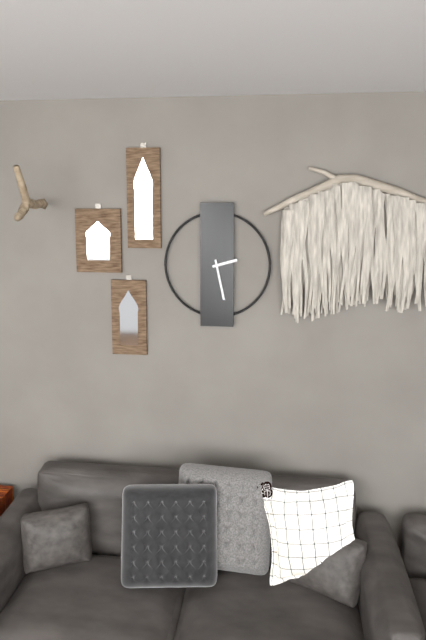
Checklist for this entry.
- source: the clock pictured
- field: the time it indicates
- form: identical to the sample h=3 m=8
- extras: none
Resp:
h=2 m=28
